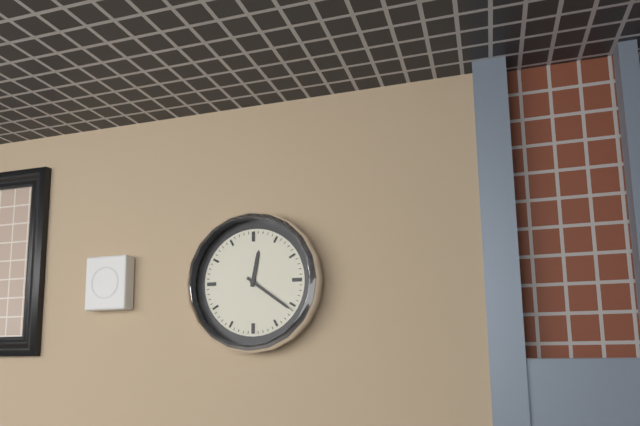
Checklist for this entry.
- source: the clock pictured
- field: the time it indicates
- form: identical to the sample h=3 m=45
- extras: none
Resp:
h=12 m=21
